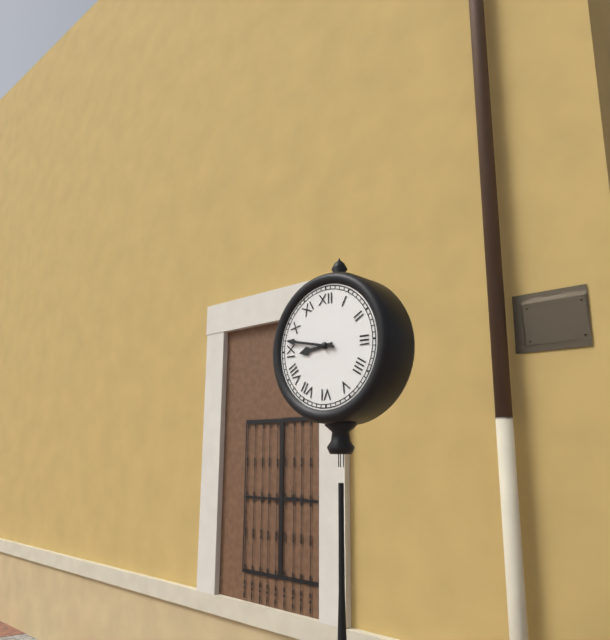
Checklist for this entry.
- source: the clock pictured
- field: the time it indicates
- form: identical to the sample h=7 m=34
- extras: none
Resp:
h=8 m=47
